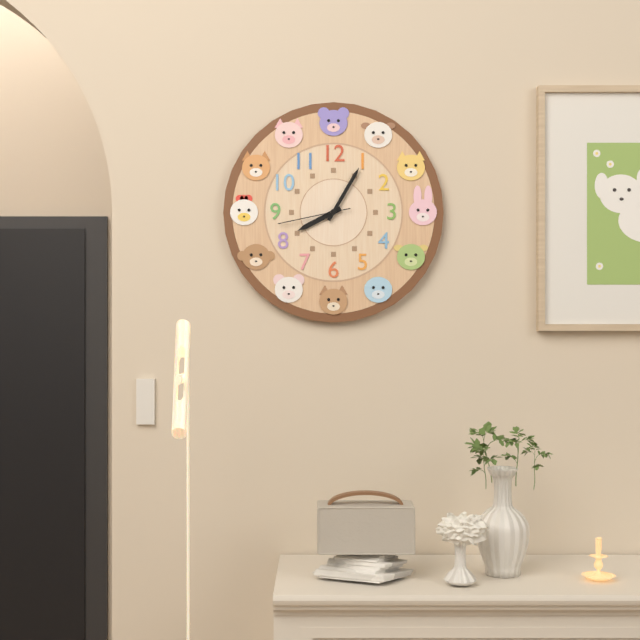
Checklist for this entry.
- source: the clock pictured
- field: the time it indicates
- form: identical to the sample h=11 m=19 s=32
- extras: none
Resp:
h=8 m=5 s=43
